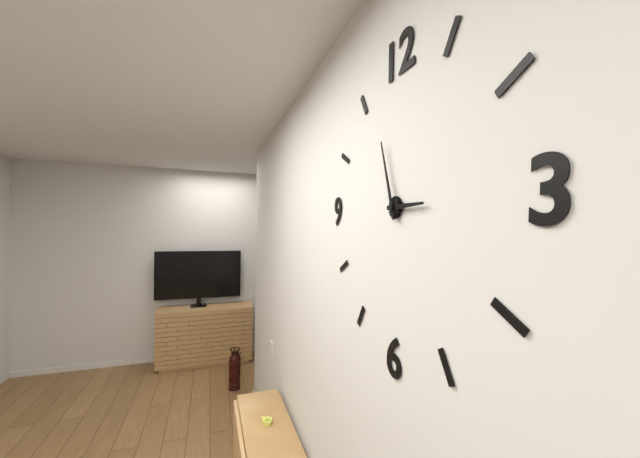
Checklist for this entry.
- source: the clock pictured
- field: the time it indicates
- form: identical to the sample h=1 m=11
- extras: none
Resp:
h=2 m=57
